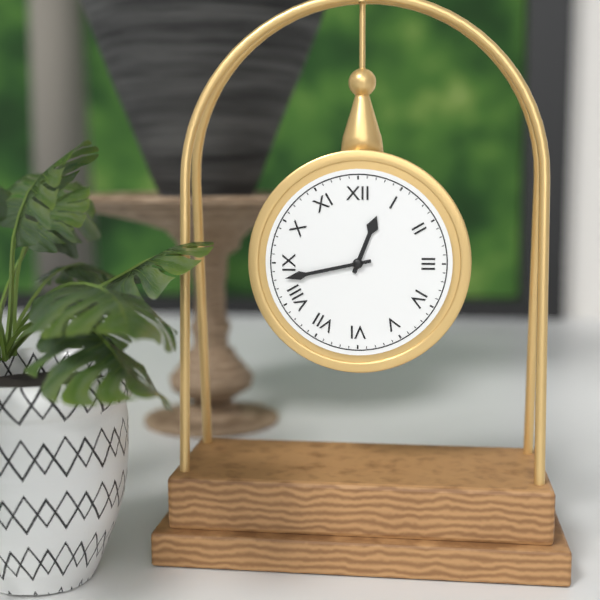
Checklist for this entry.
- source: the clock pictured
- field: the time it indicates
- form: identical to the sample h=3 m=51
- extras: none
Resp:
h=12 m=43
